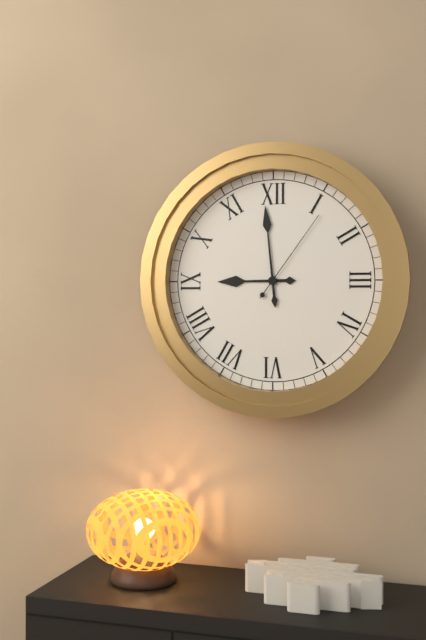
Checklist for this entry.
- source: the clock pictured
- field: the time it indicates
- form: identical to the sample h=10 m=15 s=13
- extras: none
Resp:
h=8 m=59 s=6
